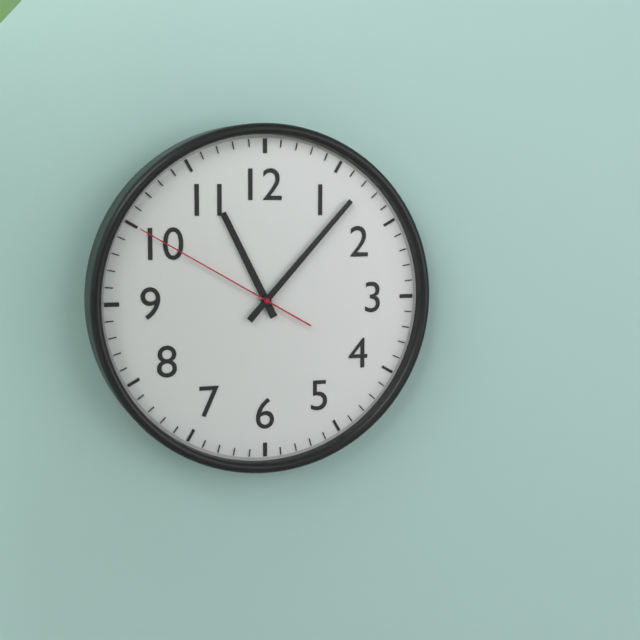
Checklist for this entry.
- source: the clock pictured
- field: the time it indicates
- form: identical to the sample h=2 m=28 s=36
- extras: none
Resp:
h=11 m=7 s=50
